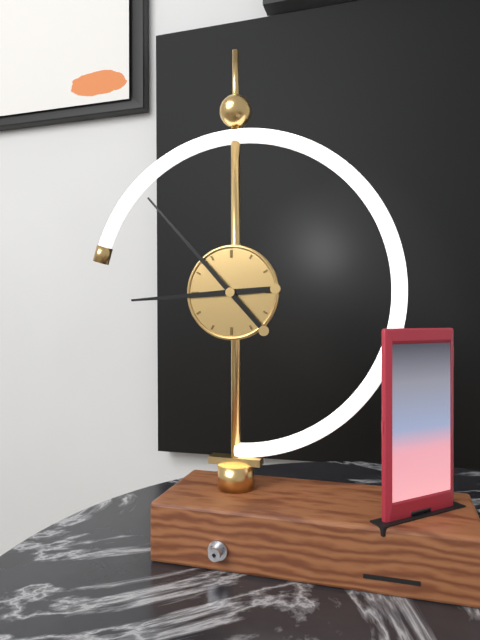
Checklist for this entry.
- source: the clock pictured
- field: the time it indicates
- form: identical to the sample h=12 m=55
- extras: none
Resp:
h=8 m=53
